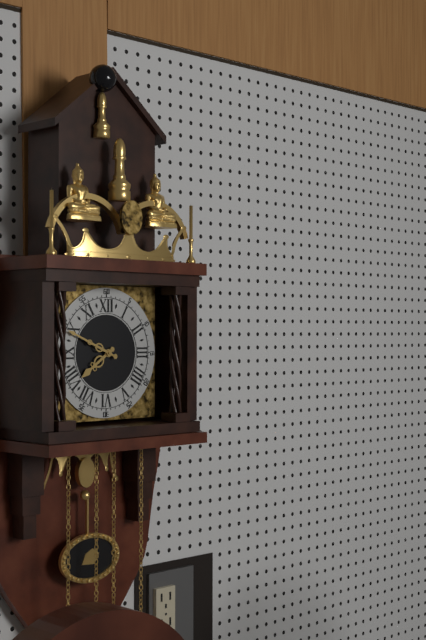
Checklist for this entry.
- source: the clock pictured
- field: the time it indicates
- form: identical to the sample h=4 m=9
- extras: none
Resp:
h=7 m=49
